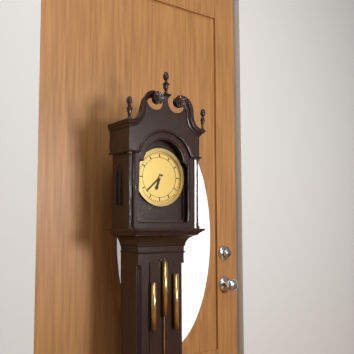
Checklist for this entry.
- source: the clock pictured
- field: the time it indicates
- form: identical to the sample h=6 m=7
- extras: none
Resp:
h=6 m=38
